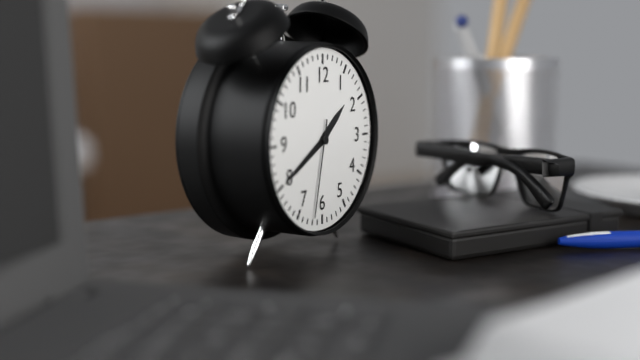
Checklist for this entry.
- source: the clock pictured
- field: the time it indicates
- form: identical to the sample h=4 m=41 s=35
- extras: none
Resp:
h=1 m=40 s=32
